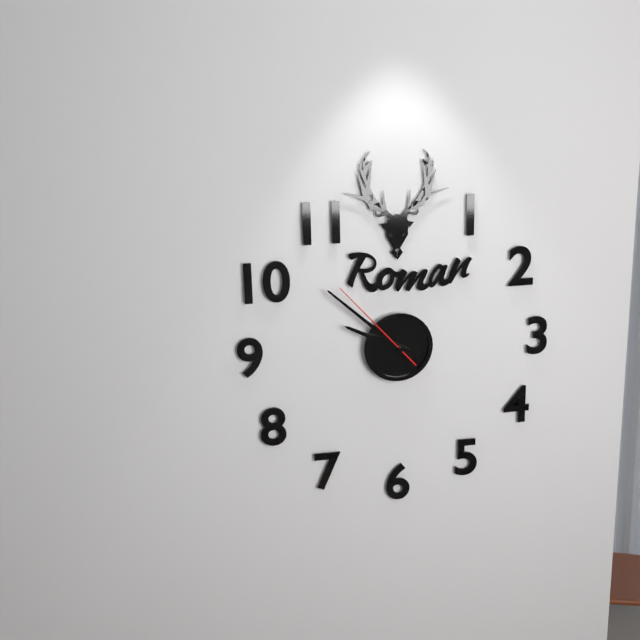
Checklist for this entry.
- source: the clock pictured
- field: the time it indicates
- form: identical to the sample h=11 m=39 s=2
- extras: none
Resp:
h=9 m=52 s=53
